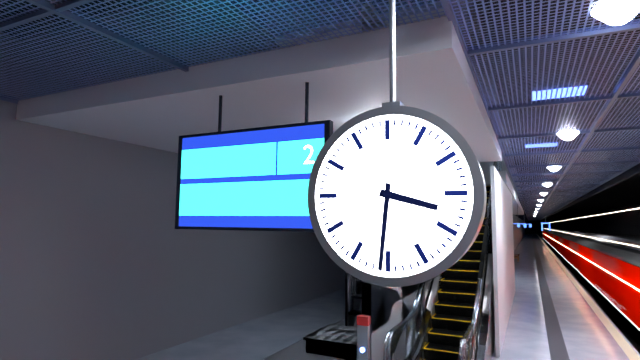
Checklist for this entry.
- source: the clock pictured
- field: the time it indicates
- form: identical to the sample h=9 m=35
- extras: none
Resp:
h=3 m=31
